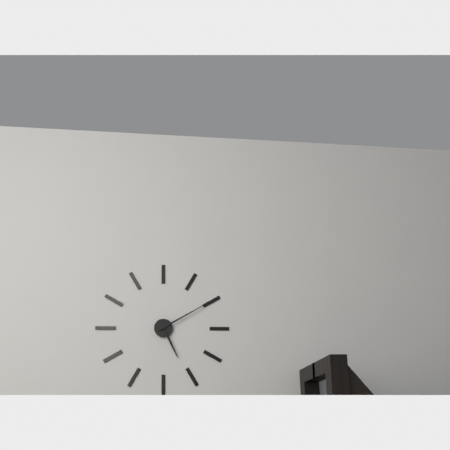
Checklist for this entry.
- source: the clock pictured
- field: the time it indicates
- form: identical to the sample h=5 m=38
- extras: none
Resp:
h=5 m=10
